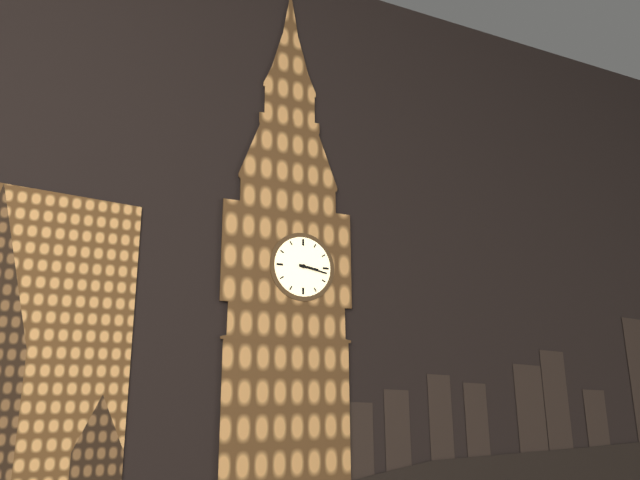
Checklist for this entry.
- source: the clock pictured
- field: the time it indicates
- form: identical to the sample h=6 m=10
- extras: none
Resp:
h=3 m=17
